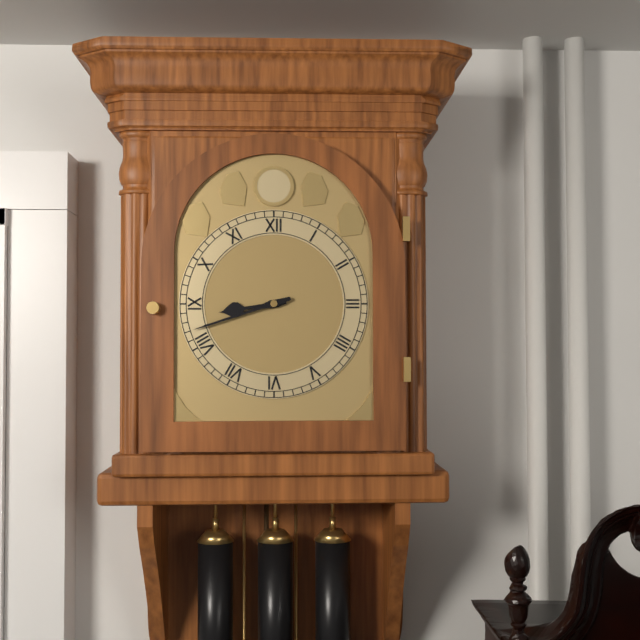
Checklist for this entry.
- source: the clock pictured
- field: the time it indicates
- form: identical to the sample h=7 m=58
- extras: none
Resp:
h=8 m=42
